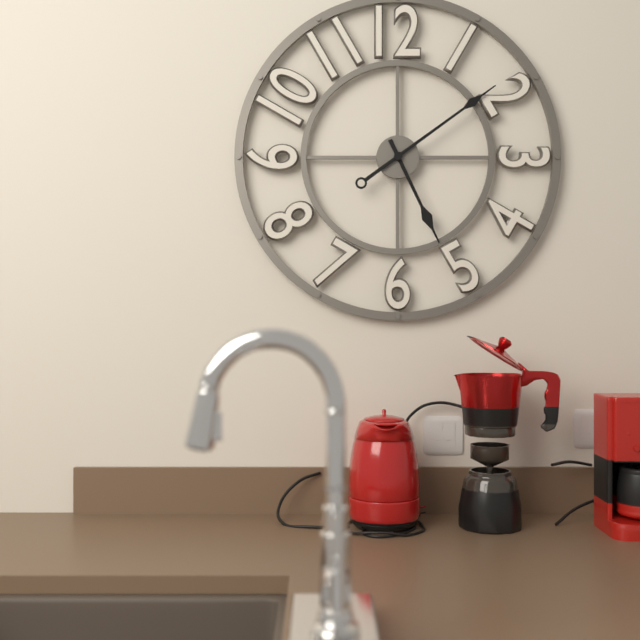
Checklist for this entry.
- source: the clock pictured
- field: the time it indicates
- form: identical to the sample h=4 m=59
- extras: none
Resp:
h=5 m=9
